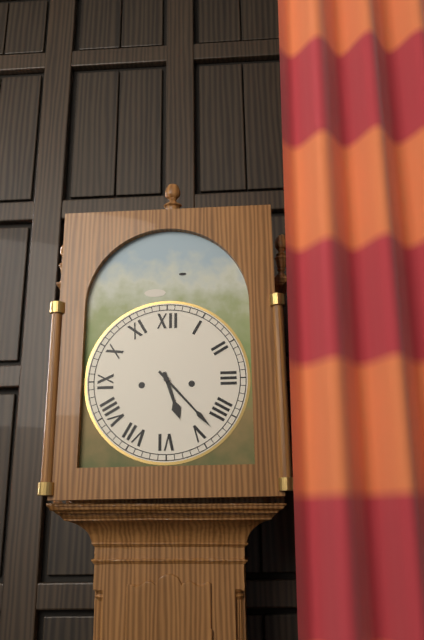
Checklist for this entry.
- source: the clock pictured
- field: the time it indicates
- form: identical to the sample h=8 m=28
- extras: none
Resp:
h=5 m=23
